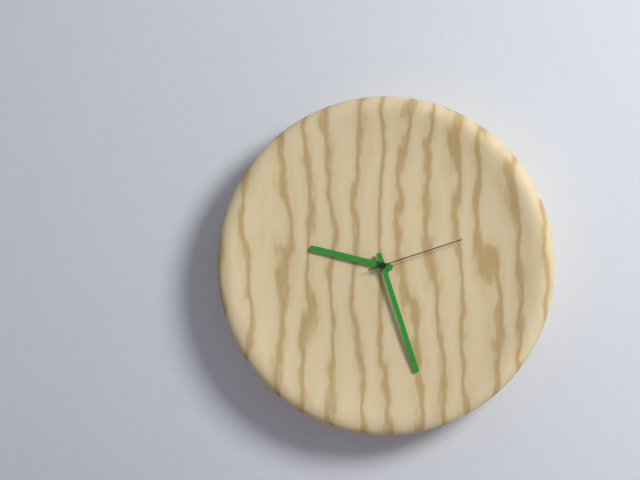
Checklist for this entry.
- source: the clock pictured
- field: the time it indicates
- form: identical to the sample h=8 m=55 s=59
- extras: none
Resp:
h=9 m=27 s=12
